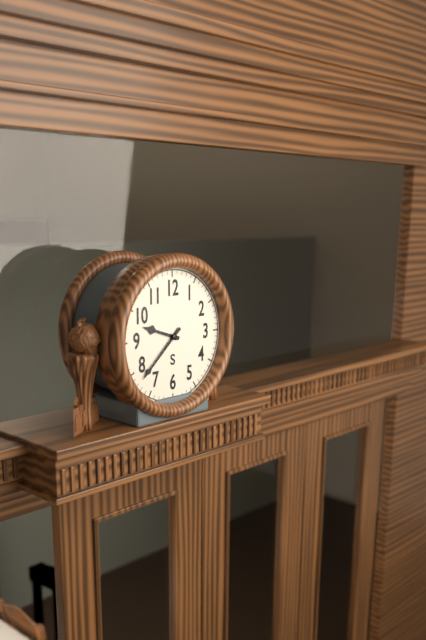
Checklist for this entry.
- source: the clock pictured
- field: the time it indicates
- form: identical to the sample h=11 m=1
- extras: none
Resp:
h=9 m=38
